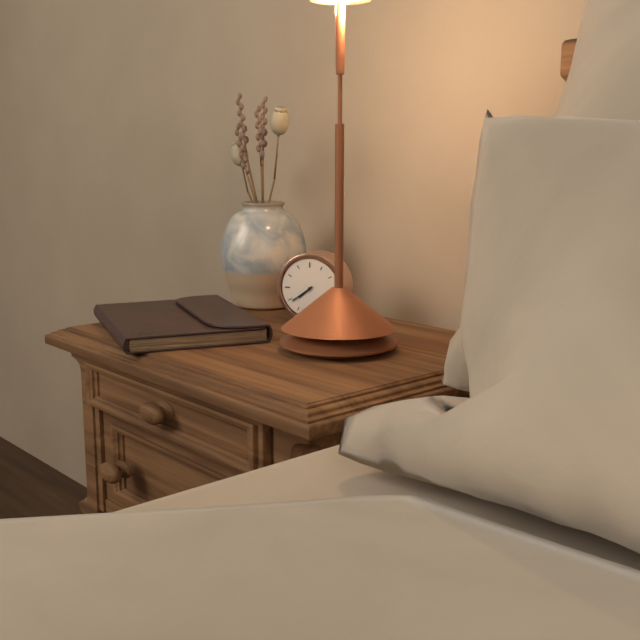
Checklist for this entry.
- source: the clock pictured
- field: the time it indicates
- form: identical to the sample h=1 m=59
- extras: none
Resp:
h=7 m=39
